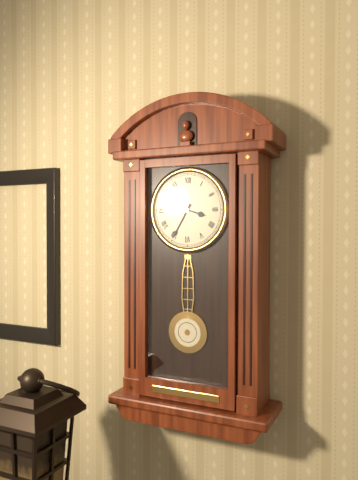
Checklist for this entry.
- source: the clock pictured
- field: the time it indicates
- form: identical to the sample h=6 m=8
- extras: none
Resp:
h=3 m=35
